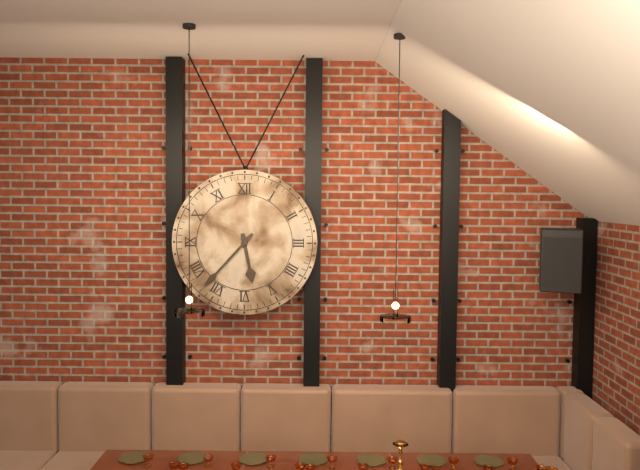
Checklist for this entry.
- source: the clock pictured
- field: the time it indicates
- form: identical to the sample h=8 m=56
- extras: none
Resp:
h=5 m=37
